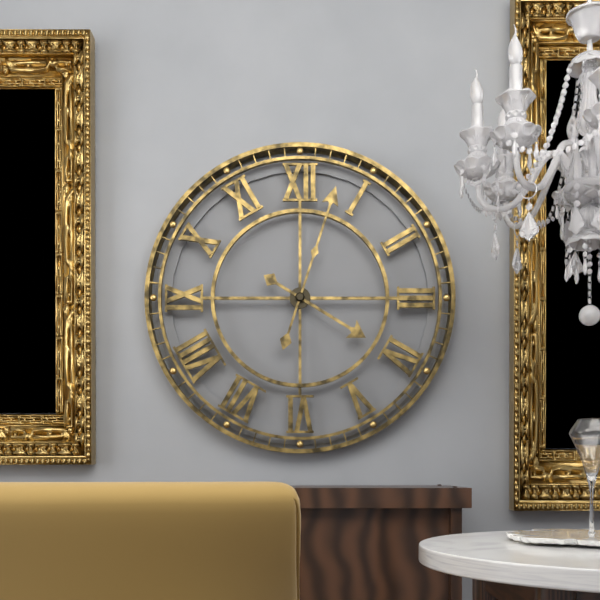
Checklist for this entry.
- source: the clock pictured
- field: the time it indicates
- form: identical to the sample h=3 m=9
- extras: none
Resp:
h=4 m=3
